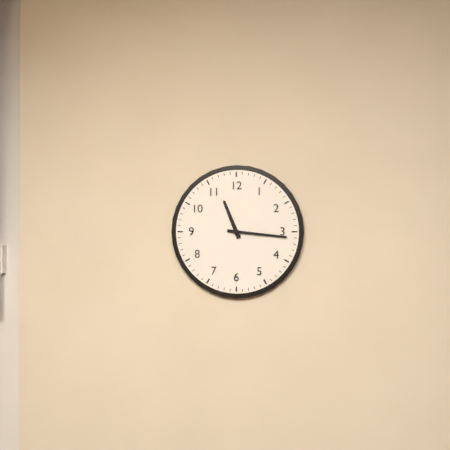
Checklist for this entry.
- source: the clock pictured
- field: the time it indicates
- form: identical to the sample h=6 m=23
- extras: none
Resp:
h=11 m=16
